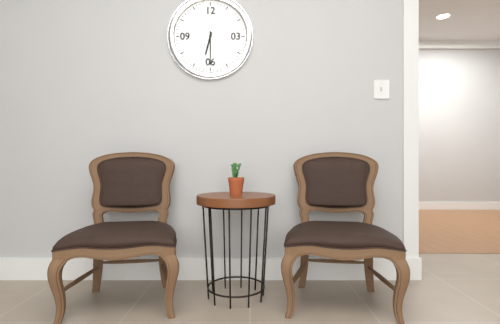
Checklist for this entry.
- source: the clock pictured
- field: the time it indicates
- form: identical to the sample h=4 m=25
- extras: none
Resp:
h=6 m=30
